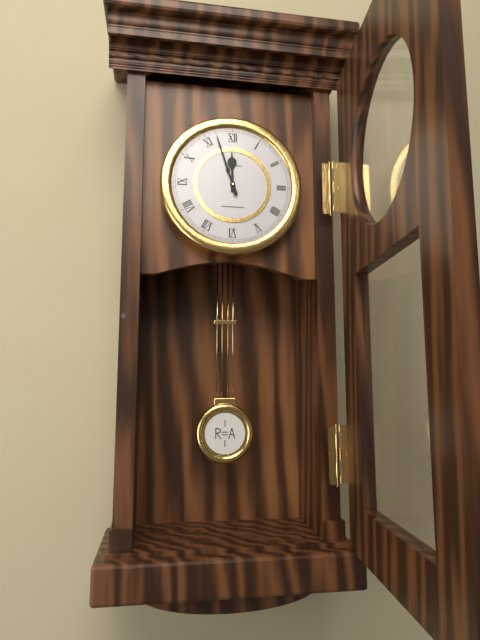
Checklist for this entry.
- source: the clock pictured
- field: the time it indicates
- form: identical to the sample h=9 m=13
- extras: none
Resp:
h=11 m=57
